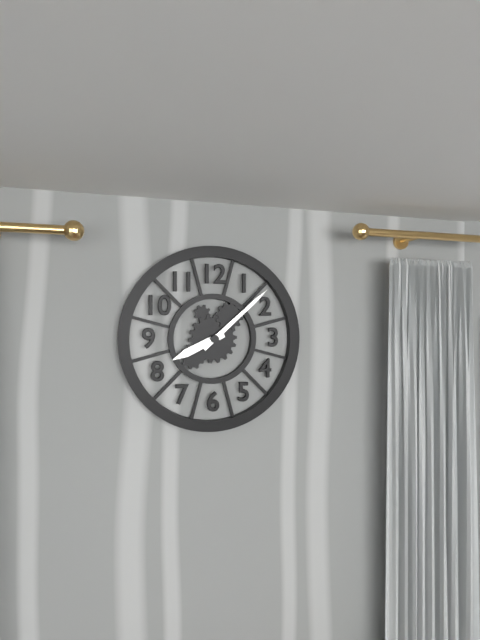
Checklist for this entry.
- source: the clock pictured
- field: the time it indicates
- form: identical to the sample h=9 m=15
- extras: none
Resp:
h=8 m=8
